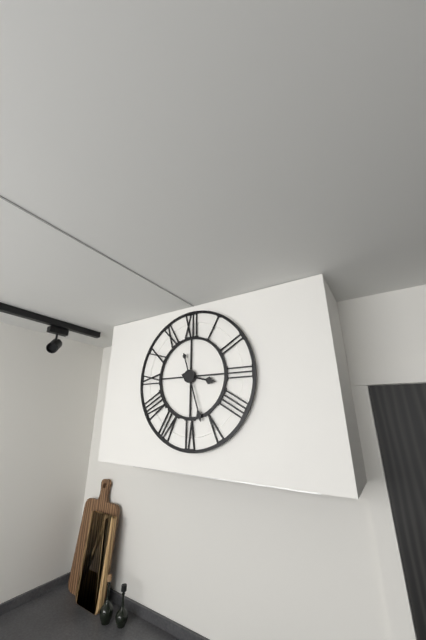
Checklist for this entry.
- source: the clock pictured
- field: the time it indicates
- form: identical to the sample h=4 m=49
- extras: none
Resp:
h=3 m=27
